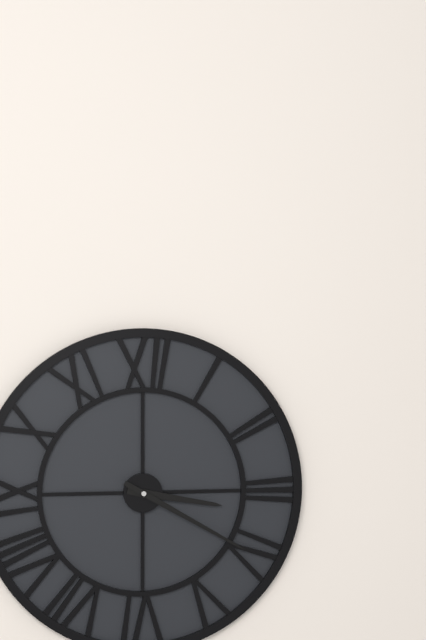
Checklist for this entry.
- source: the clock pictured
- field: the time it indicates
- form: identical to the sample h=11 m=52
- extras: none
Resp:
h=3 m=20
